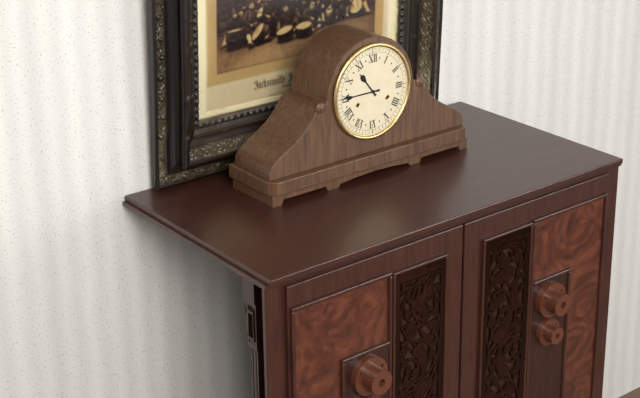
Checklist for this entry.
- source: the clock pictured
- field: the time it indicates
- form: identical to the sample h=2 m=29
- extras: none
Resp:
h=10 m=45
